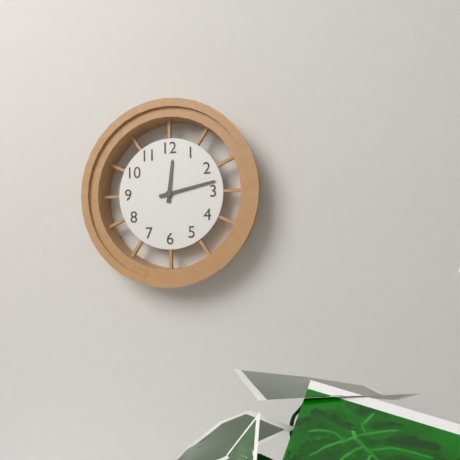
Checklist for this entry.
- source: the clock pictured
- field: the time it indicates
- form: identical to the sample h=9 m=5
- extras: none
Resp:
h=12 m=13
